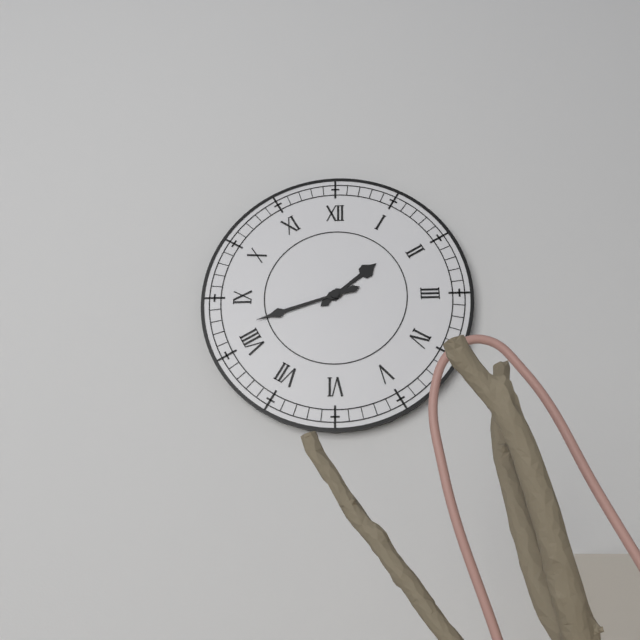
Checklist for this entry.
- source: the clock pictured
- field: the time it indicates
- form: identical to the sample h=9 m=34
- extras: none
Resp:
h=1 m=42
